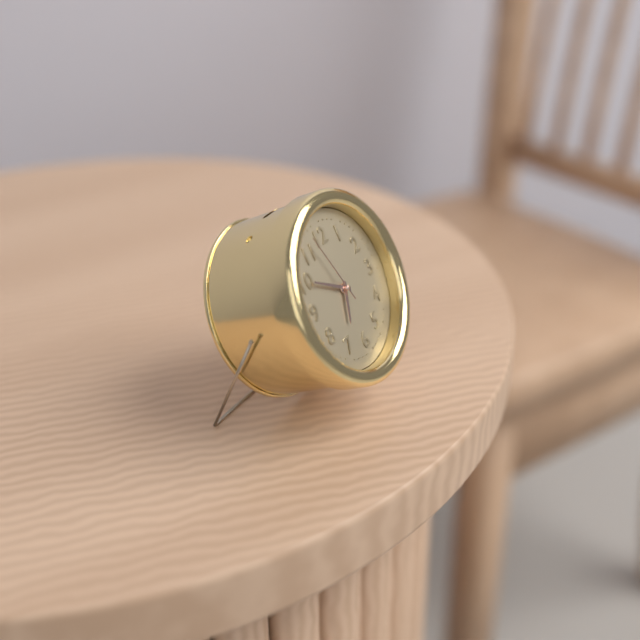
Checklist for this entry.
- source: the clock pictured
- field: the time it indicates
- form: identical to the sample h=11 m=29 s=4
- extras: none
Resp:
h=6 m=50 s=57
